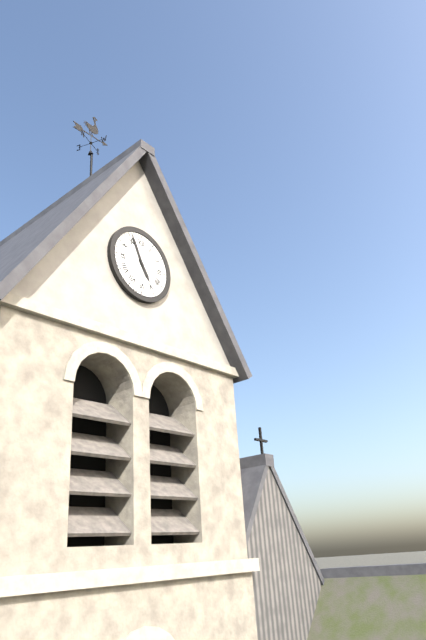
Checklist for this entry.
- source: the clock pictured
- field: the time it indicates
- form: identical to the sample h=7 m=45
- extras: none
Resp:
h=4 m=56
